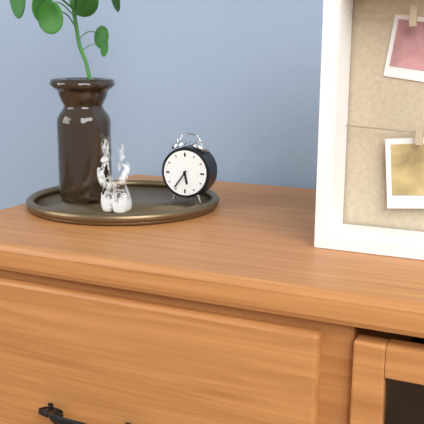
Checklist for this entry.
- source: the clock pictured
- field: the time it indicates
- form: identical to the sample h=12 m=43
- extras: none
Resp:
h=5 m=36
